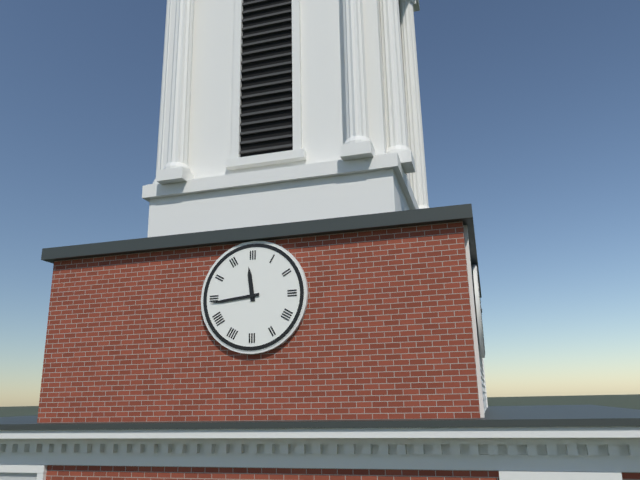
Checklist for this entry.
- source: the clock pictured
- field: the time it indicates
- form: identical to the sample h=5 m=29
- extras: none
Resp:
h=11 m=44
